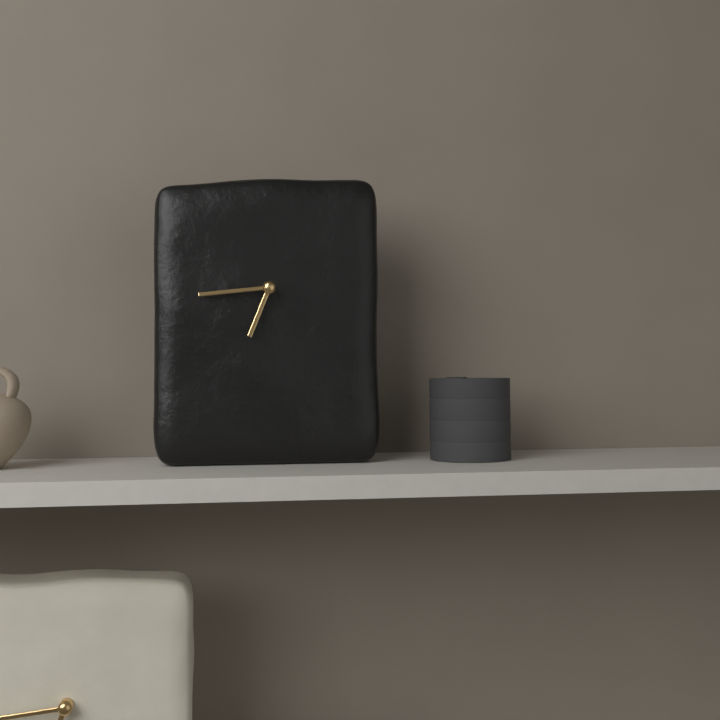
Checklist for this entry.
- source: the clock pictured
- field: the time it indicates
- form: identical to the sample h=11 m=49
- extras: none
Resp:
h=6 m=44
